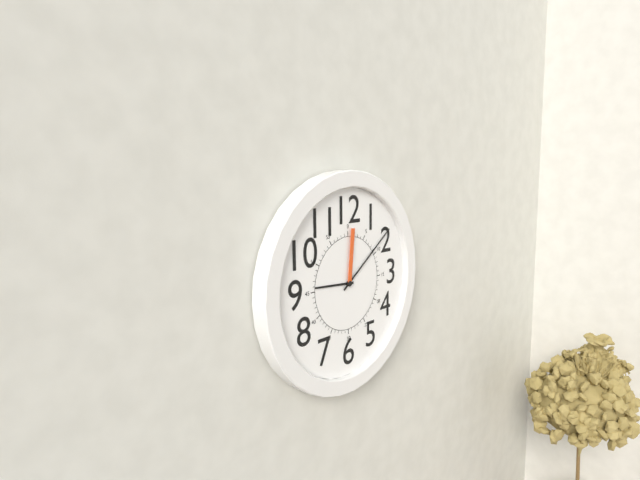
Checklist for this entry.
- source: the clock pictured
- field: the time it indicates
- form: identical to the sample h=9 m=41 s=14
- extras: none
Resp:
h=9 m=9 s=1
